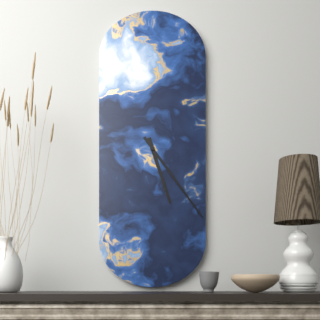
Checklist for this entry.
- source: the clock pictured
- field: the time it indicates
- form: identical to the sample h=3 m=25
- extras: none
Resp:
h=5 m=24
